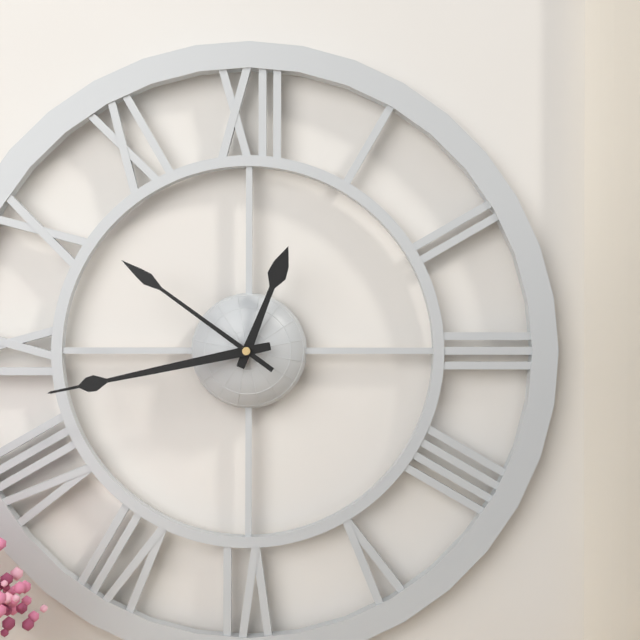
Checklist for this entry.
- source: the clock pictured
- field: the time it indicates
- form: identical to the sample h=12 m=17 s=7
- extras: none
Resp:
h=12 m=43 s=51
